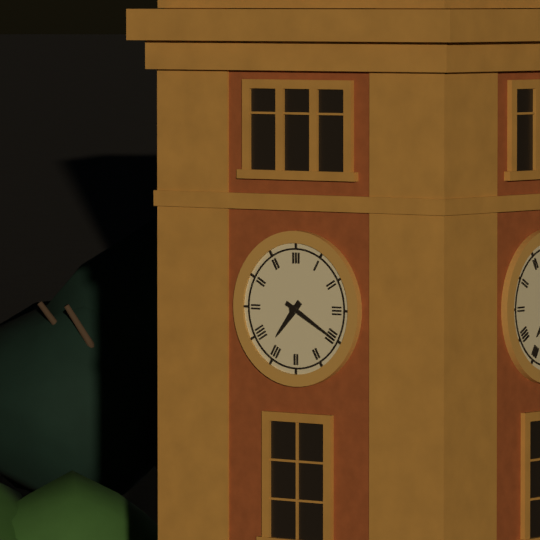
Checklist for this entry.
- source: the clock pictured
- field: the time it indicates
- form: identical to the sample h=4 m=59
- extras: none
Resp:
h=7 m=20
